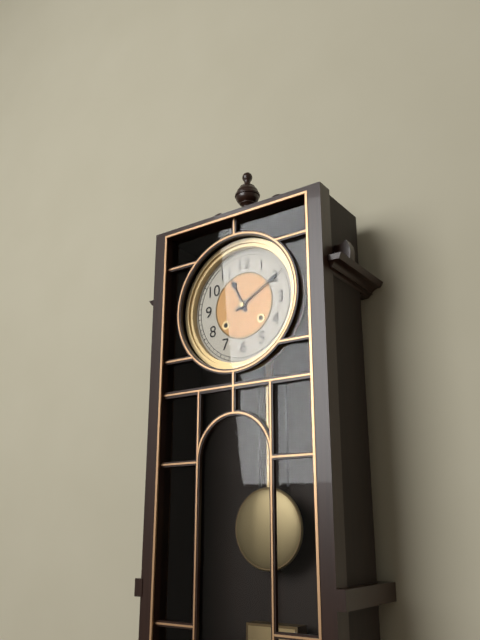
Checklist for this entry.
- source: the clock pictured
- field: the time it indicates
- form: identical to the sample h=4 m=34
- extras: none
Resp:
h=11 m=10
